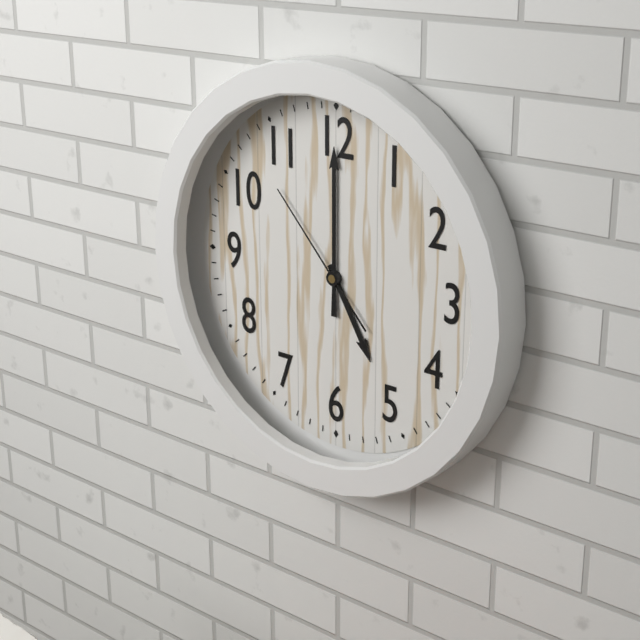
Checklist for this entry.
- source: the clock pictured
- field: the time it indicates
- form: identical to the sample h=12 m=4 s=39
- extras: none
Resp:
h=5 m=0 s=53
